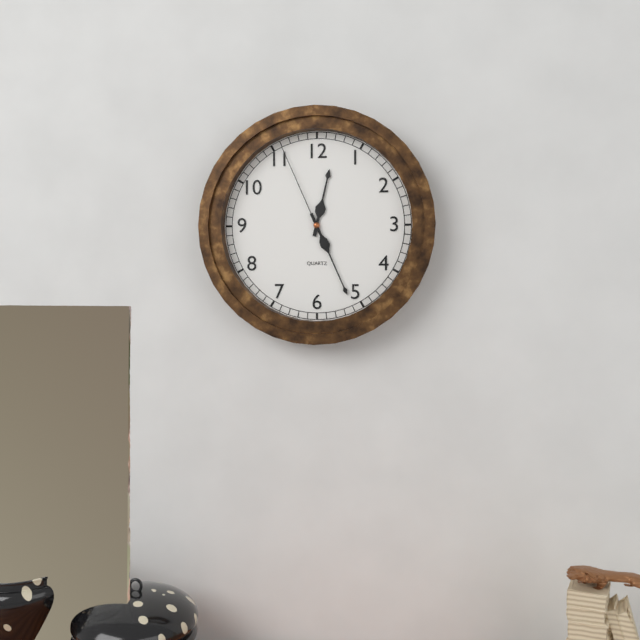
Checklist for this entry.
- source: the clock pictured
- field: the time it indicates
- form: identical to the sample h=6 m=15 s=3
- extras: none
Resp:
h=12 m=26 s=56
